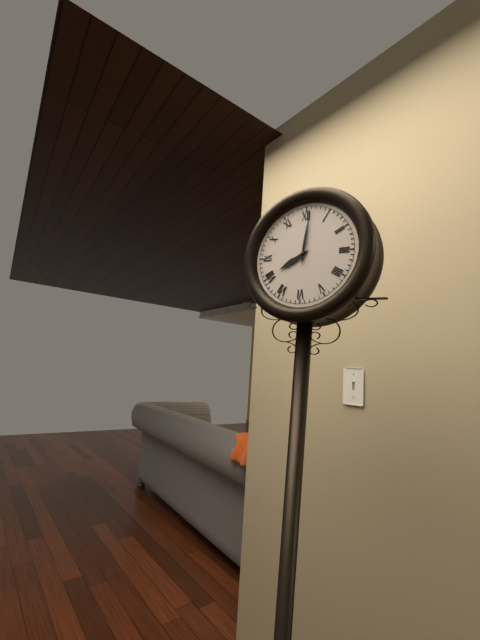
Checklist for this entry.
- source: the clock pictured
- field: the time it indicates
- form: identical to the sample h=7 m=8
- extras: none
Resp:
h=8 m=1
